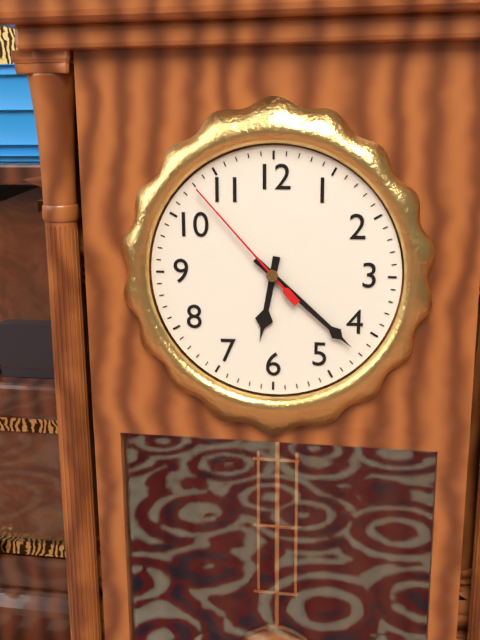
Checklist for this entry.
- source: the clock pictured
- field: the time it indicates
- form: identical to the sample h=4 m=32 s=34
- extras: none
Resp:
h=6 m=22 s=53
